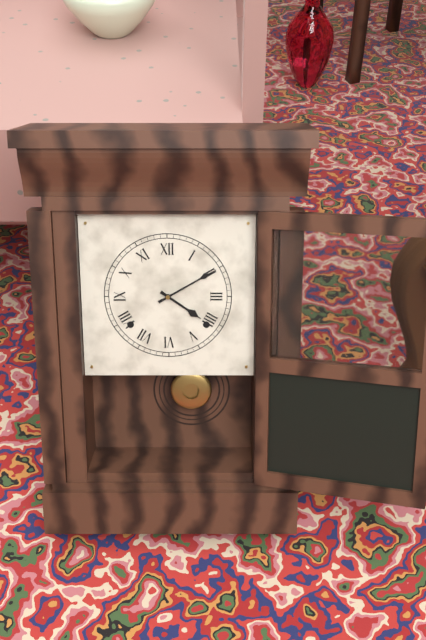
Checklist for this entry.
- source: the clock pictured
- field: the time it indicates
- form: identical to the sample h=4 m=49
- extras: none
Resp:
h=4 m=10
